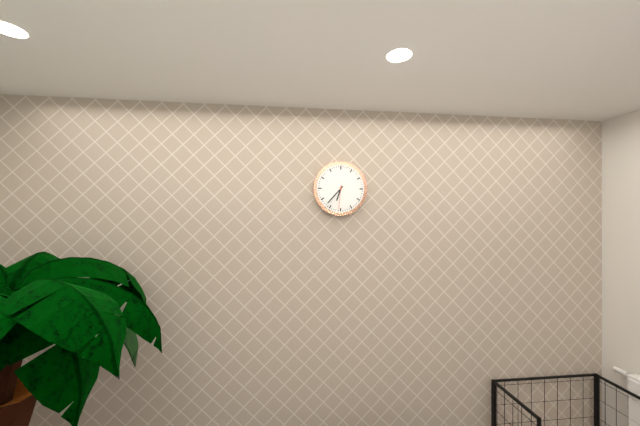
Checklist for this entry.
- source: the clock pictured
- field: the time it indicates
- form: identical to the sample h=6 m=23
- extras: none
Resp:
h=6 m=37
